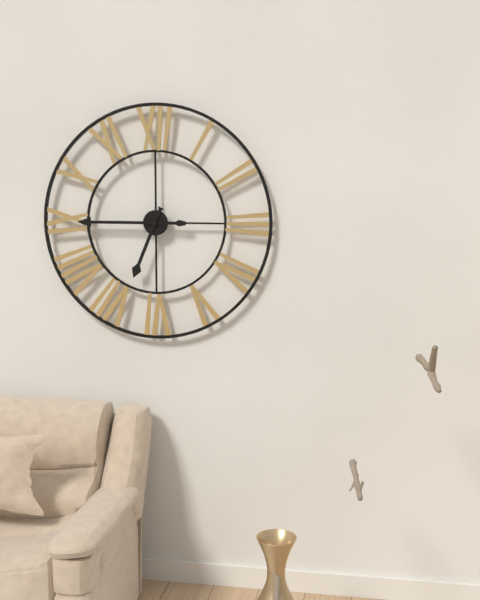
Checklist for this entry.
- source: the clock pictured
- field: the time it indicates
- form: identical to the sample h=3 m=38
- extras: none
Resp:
h=6 m=45
